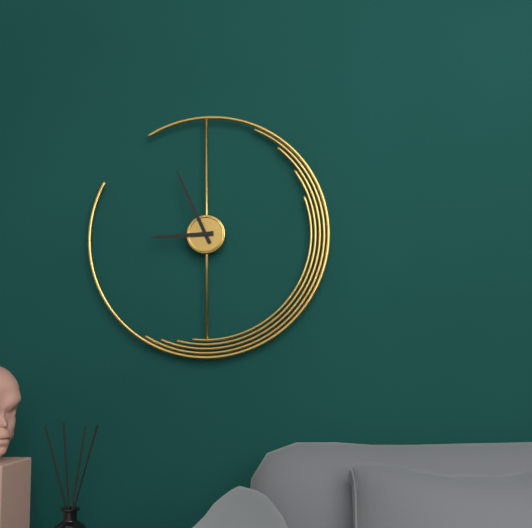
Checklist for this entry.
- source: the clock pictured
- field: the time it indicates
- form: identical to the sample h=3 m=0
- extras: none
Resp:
h=8 m=56
